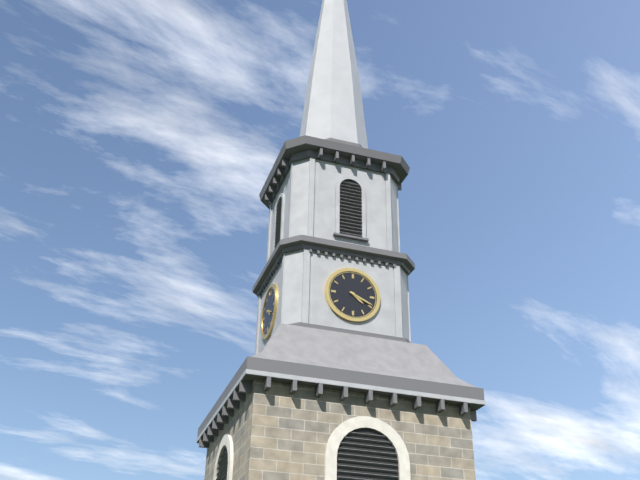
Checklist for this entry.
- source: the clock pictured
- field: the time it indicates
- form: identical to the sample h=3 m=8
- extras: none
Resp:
h=4 m=19
